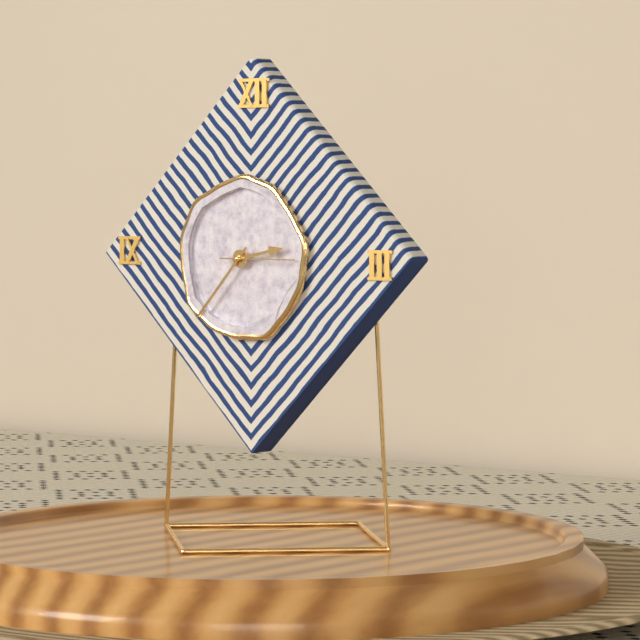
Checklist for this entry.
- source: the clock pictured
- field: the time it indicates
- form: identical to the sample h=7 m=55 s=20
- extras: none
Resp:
h=2 m=37 s=15
